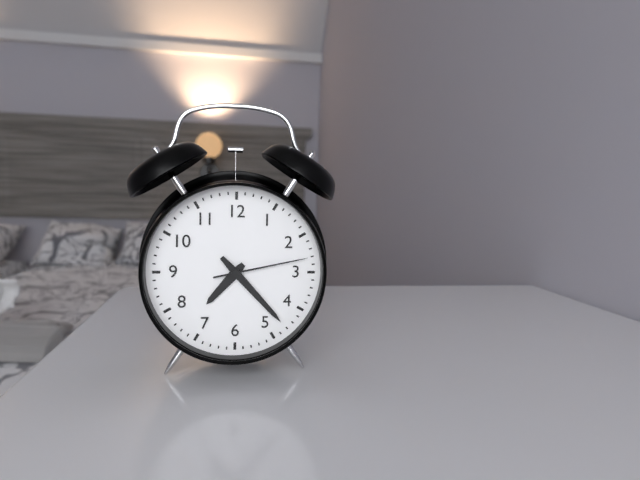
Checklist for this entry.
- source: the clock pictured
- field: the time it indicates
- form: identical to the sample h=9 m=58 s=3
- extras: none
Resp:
h=7 m=23 s=13
